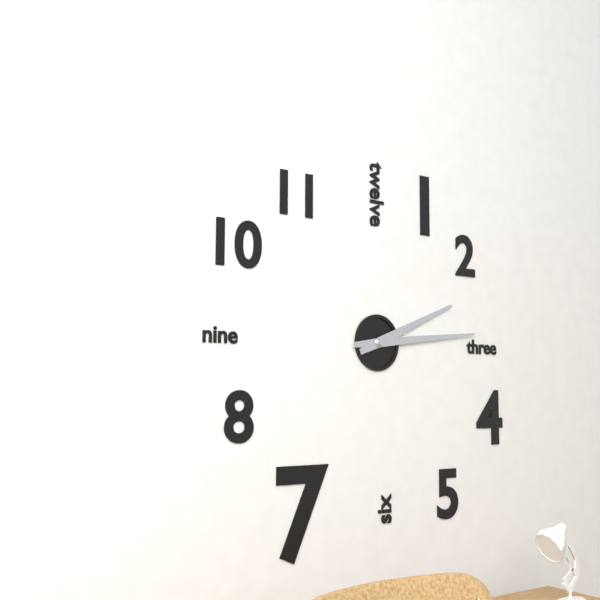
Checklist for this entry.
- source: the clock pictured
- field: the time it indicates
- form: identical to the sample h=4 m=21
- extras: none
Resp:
h=2 m=14
